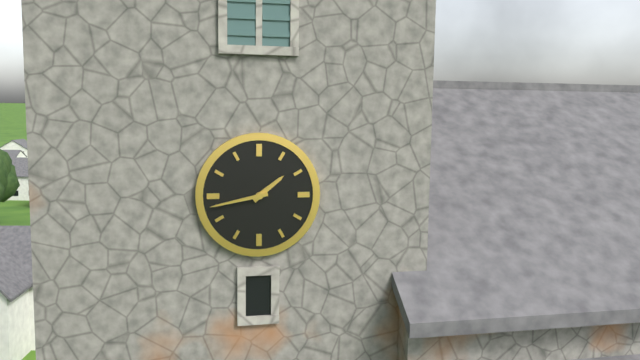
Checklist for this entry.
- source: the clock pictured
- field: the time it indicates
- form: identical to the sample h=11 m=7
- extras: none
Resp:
h=1 m=43
